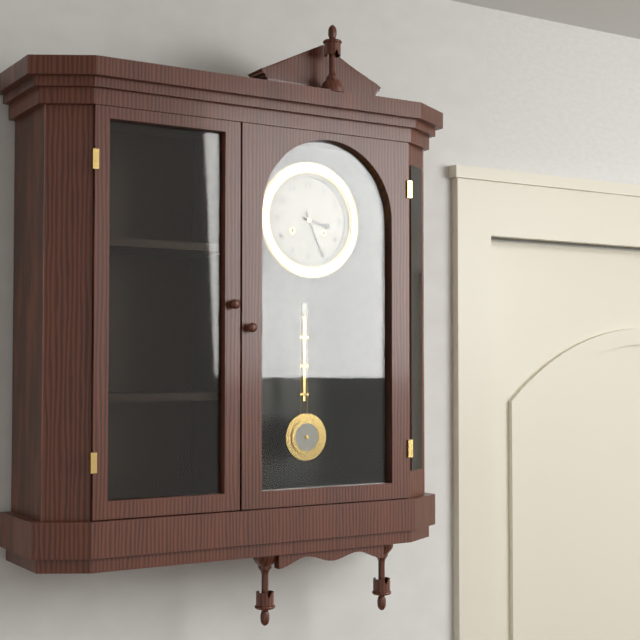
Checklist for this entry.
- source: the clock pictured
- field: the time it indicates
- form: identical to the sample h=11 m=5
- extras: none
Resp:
h=3 m=26
